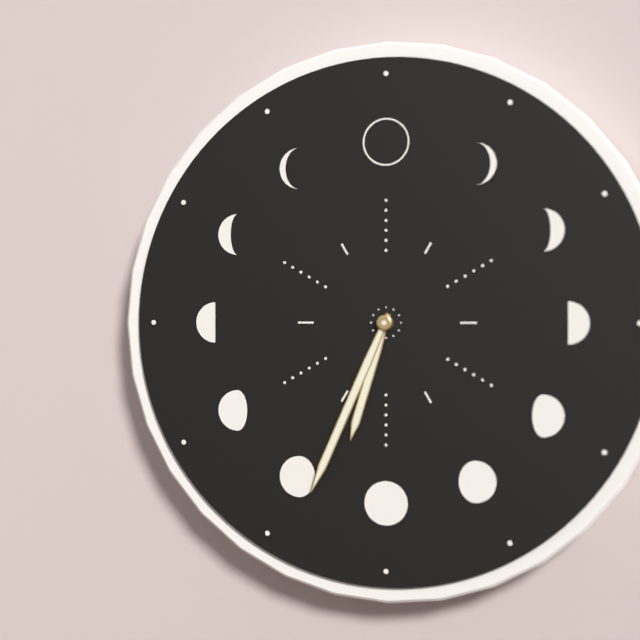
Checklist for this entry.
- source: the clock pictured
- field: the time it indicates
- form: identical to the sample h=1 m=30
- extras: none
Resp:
h=6 m=34
